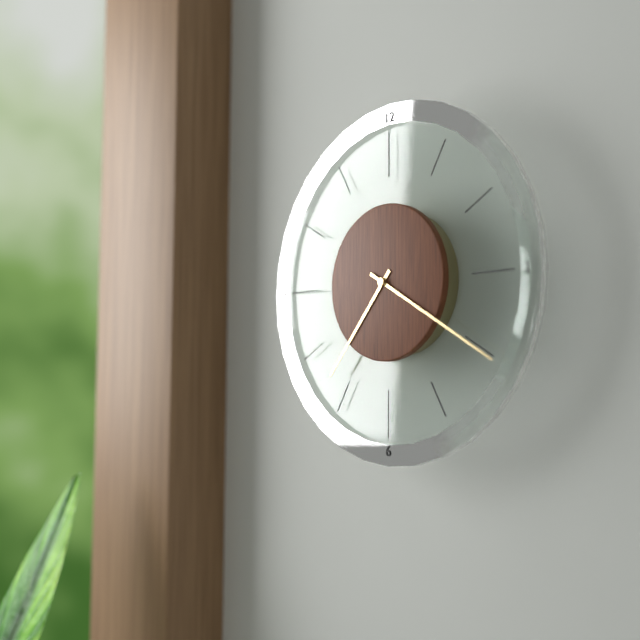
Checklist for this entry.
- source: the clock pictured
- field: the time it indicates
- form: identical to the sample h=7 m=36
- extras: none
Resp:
h=7 m=20
